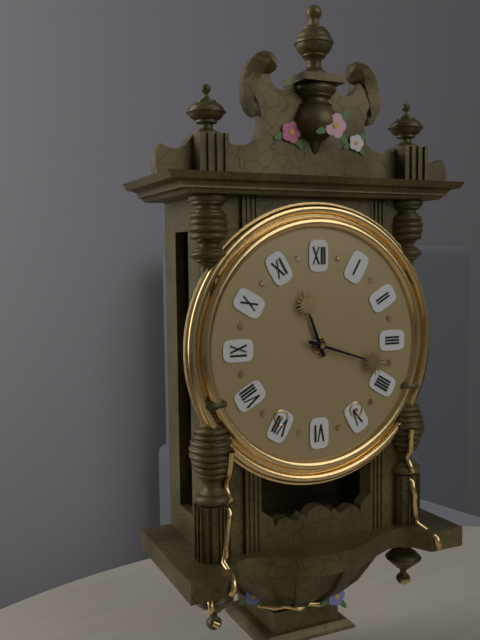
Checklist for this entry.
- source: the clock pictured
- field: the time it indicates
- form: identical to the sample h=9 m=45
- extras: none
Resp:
h=11 m=18
